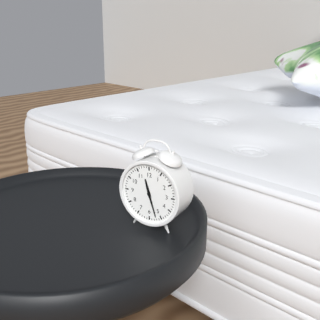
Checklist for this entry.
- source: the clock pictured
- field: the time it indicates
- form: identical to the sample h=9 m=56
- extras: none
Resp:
h=11 m=27
